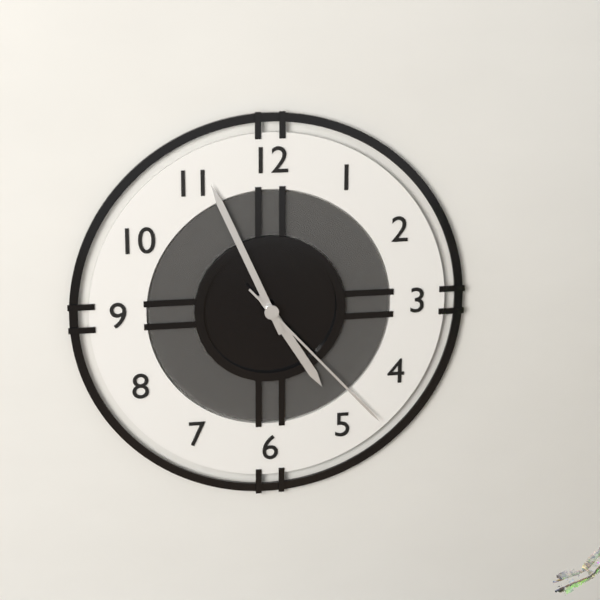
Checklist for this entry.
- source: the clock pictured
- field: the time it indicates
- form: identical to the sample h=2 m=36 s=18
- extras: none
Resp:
h=4 m=56 s=23
